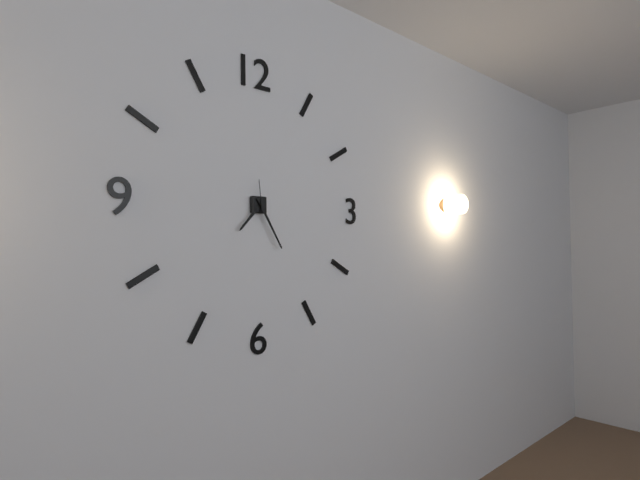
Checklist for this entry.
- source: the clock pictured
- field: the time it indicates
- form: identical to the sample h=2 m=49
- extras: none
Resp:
h=7 m=25
